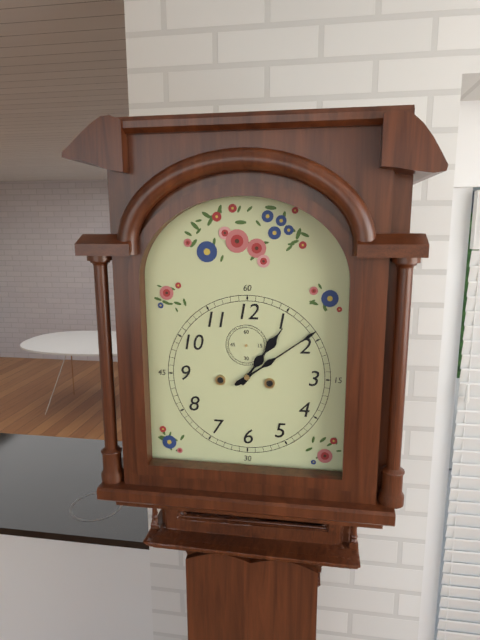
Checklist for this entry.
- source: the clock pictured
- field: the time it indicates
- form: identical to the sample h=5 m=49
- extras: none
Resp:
h=1 m=9
